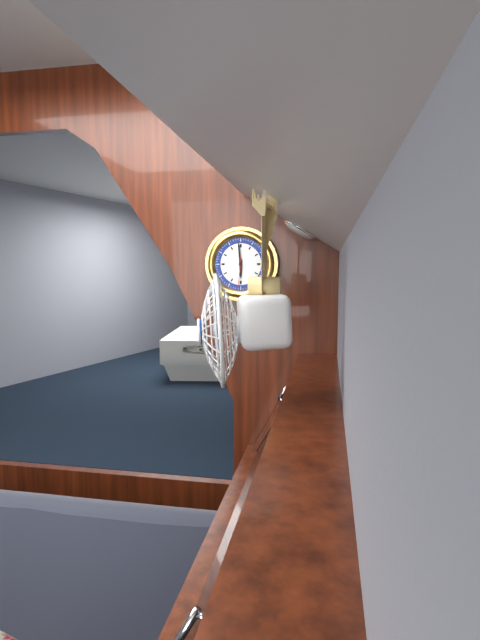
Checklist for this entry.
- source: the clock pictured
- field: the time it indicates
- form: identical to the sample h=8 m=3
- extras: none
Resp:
h=5 m=59
